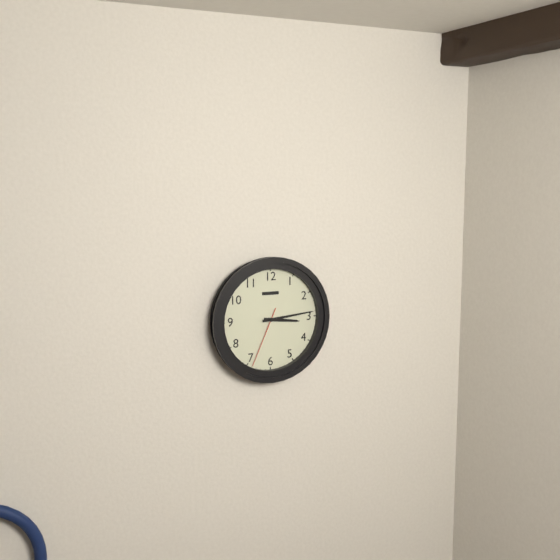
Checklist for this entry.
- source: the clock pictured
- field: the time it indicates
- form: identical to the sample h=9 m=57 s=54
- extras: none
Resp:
h=3 m=14 s=34
